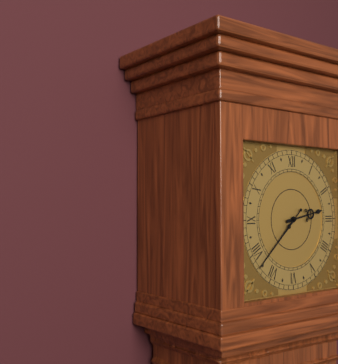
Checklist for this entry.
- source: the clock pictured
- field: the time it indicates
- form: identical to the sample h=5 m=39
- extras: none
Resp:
h=2 m=38
